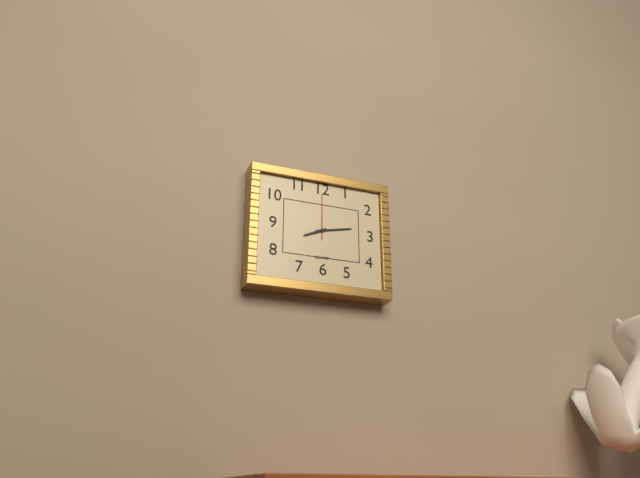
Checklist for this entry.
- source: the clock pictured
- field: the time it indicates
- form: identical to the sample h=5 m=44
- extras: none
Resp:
h=8 m=13
